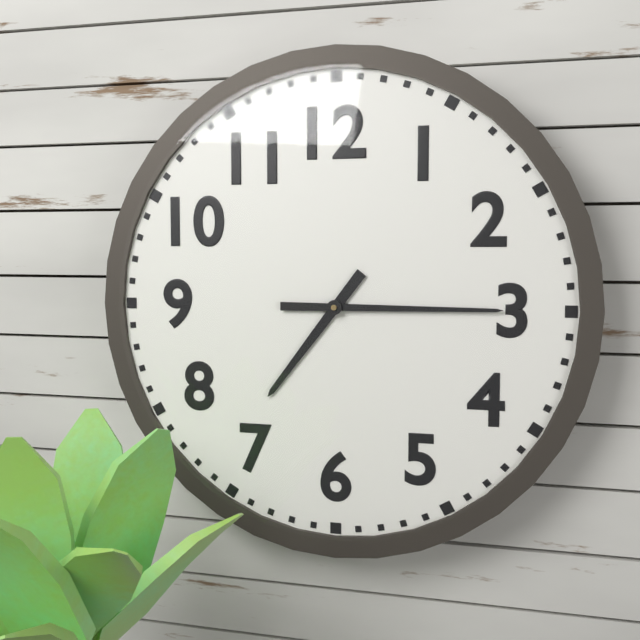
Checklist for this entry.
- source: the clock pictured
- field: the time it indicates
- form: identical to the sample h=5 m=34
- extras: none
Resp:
h=7 m=15
